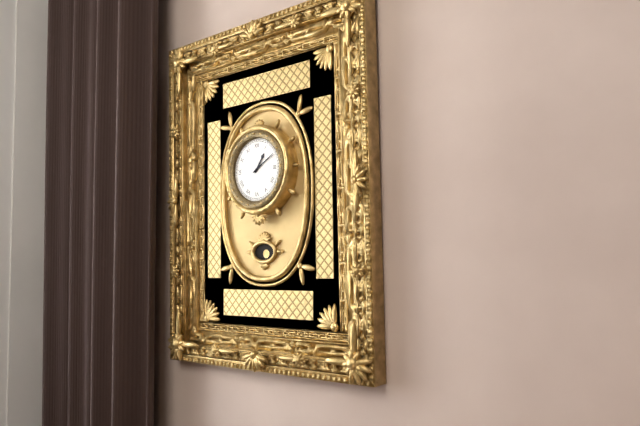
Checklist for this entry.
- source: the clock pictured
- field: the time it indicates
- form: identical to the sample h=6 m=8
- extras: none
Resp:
h=1 m=10
